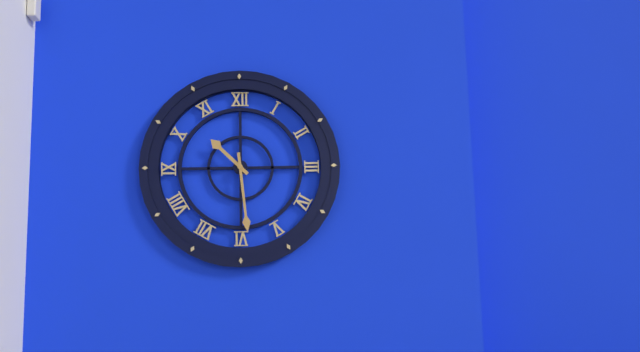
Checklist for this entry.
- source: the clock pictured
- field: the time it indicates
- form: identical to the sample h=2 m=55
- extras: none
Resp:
h=10 m=29
